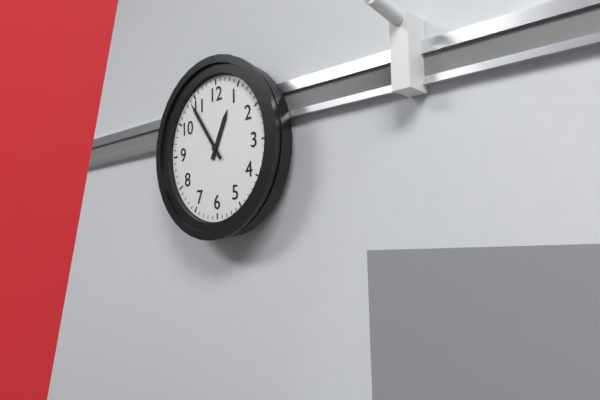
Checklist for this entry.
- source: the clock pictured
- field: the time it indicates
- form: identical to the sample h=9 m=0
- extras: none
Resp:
h=12 m=54
